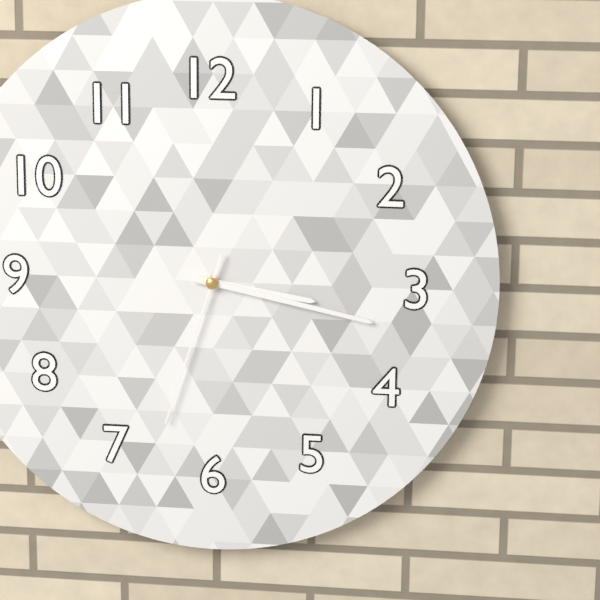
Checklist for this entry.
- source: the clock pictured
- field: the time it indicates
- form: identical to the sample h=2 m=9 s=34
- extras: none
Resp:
h=3 m=17 s=33
